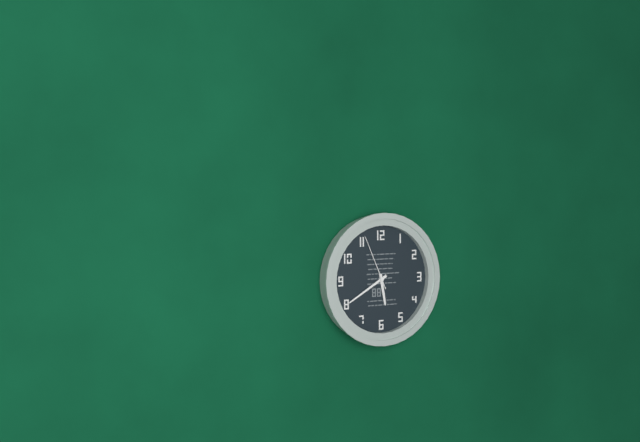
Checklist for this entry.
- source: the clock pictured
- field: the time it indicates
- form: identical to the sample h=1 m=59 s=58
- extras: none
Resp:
h=5 m=40 s=56
